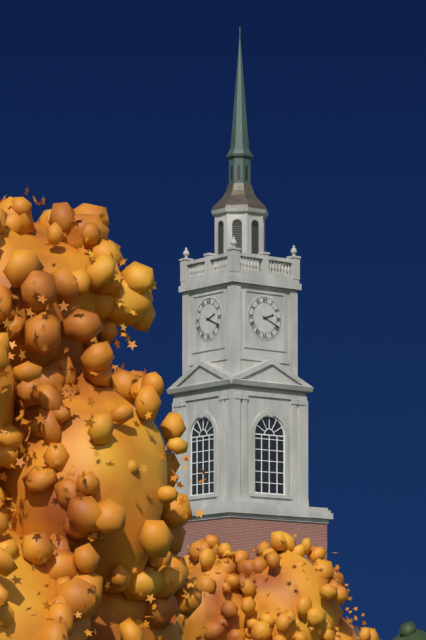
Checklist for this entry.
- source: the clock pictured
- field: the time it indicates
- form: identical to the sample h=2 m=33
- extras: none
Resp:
h=2 m=19
